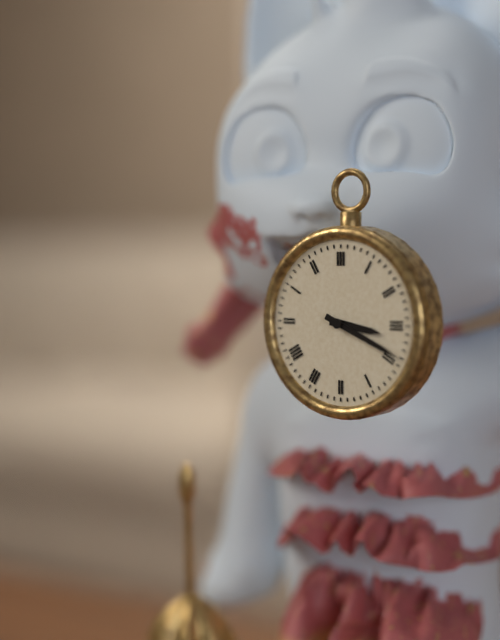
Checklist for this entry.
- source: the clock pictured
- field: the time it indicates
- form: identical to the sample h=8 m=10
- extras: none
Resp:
h=3 m=19
